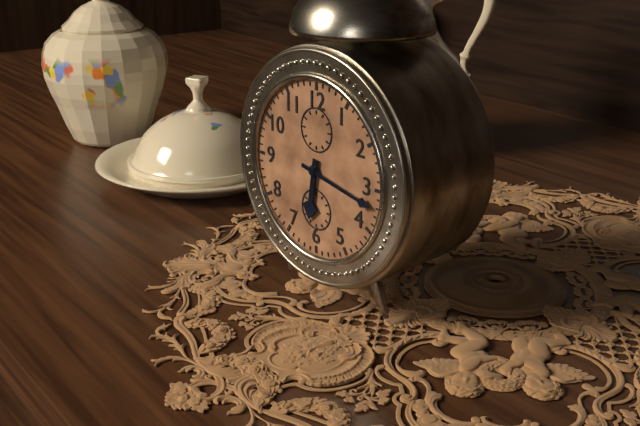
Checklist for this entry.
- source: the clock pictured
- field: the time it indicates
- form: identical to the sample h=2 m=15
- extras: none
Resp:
h=6 m=17
